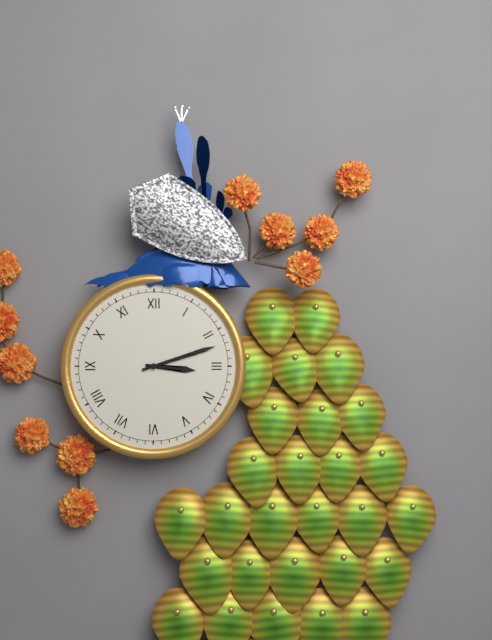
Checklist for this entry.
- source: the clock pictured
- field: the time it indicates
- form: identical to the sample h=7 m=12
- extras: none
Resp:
h=3 m=12
